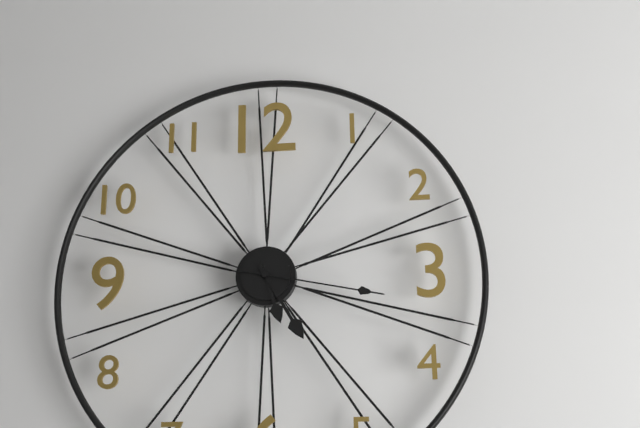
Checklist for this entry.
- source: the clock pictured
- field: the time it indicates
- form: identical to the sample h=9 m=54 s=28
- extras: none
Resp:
h=5 m=25 s=17
